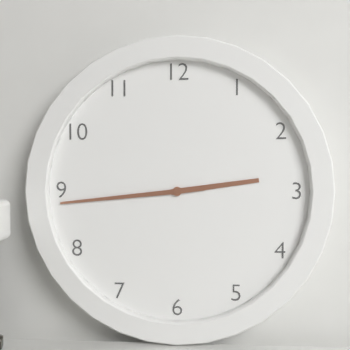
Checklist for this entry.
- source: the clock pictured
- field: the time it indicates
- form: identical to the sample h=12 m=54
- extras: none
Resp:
h=2 m=44
